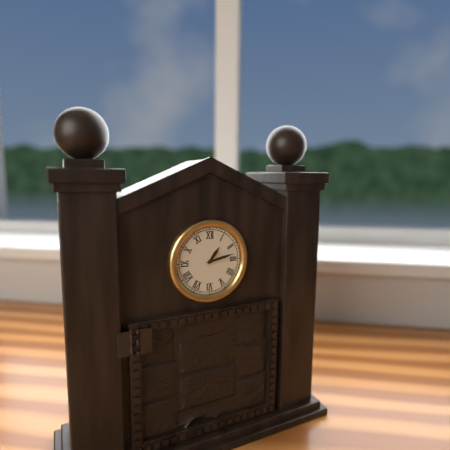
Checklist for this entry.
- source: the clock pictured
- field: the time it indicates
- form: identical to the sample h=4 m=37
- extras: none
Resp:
h=1 m=13
